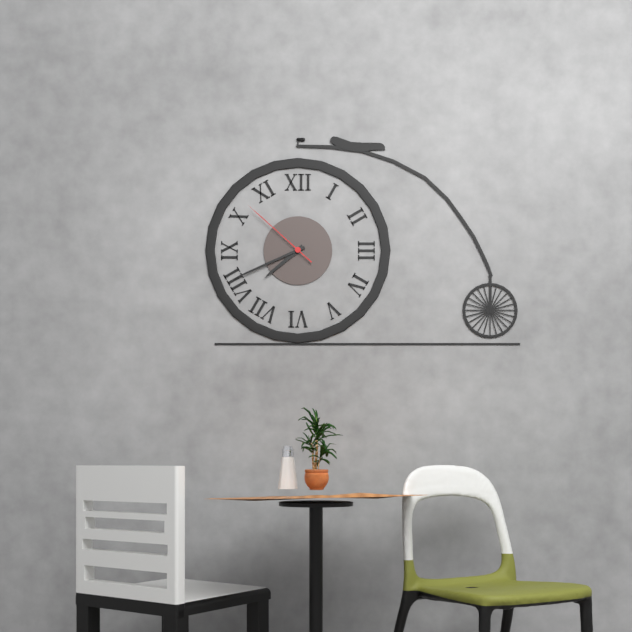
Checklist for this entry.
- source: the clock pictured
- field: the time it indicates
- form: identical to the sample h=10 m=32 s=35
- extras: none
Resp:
h=7 m=41 s=52
